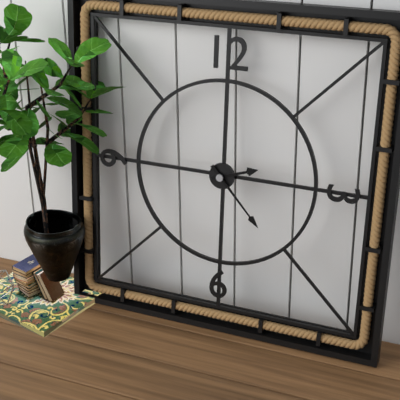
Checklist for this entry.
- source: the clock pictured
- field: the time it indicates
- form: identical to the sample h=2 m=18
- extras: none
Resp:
h=2 m=23
